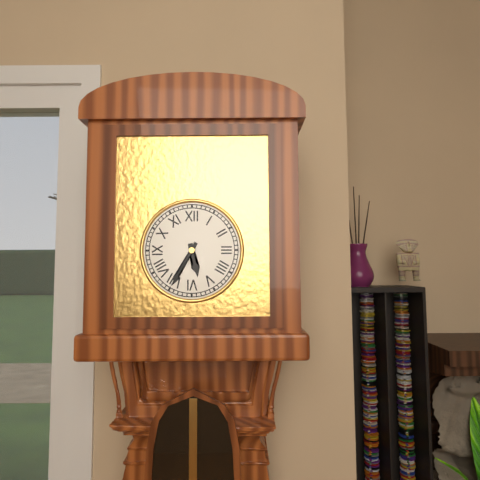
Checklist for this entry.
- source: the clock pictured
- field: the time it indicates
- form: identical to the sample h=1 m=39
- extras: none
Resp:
h=5 m=35
